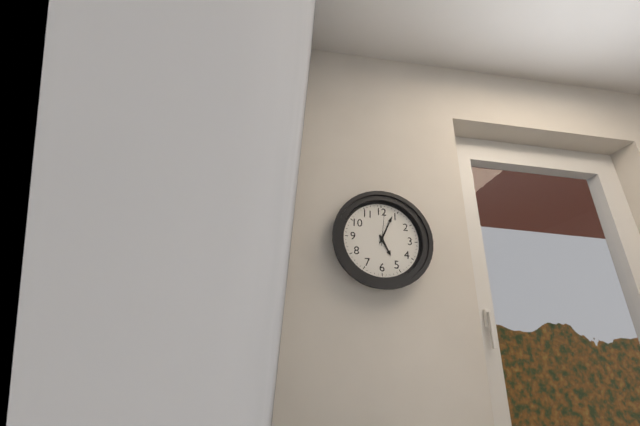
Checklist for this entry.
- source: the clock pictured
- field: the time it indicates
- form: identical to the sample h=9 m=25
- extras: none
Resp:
h=5 m=4
